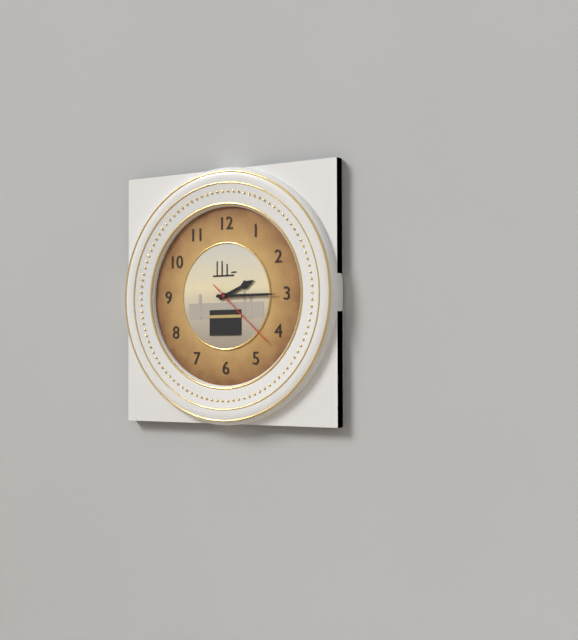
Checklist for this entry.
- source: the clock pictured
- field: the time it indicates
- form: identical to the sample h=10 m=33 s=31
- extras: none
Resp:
h=2 m=15 s=22
